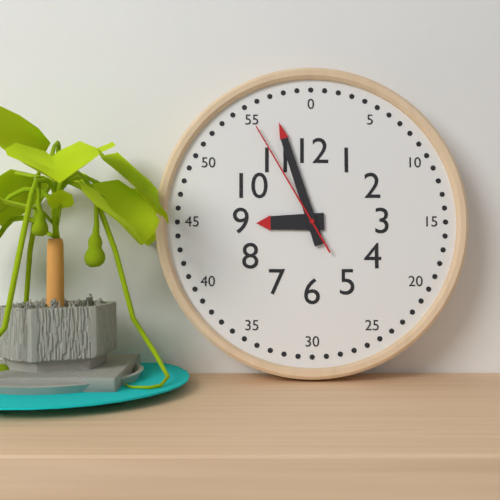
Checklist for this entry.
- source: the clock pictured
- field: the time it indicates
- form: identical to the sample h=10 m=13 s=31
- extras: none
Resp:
h=8 m=57 s=55
